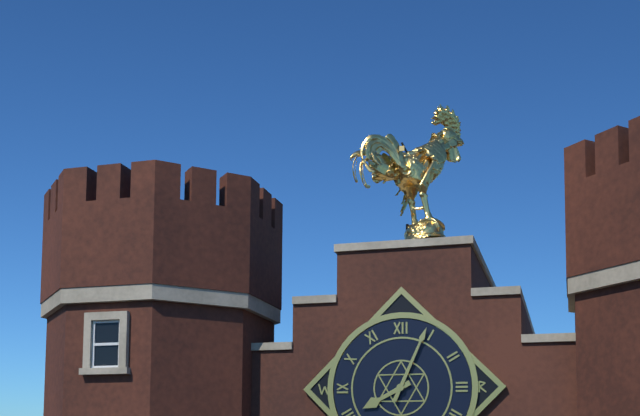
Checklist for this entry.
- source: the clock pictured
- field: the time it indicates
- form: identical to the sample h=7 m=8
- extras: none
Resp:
h=8 m=4
